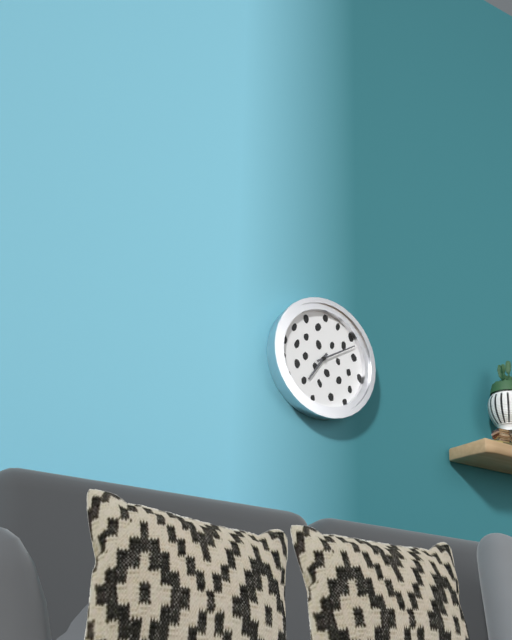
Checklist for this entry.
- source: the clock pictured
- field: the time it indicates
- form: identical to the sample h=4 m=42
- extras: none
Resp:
h=7 m=10
